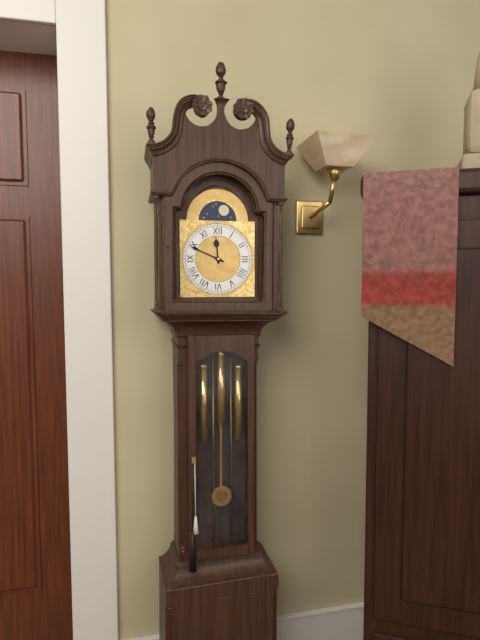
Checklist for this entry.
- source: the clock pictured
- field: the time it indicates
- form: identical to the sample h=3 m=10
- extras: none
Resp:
h=11 m=49
